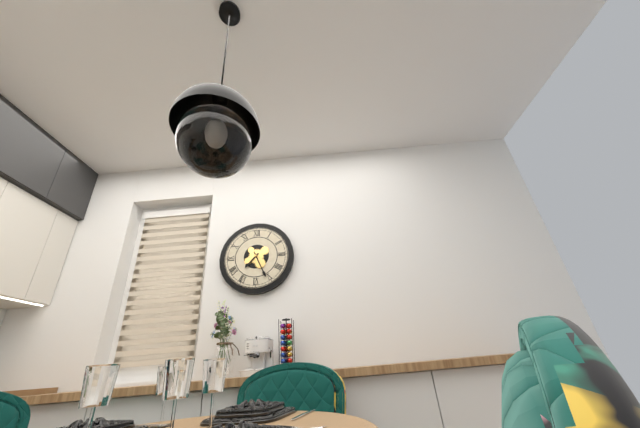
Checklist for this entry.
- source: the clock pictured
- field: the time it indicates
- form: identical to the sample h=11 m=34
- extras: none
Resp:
h=7 m=26
